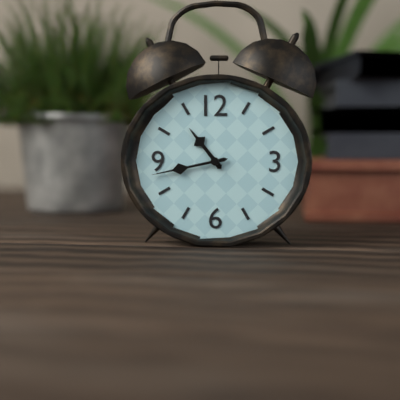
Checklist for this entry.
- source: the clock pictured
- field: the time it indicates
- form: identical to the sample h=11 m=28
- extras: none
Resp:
h=10 m=43
